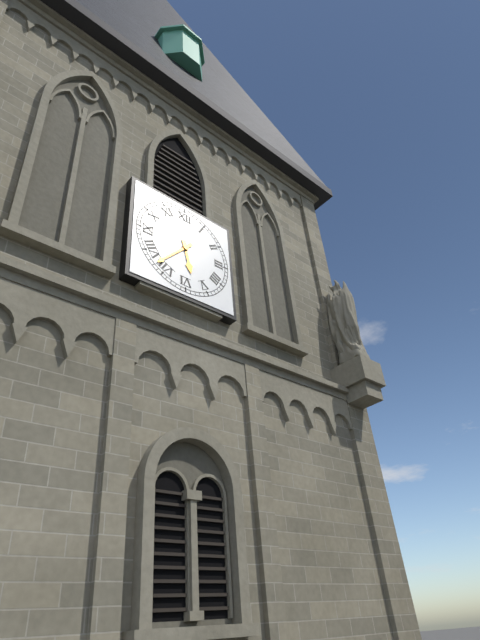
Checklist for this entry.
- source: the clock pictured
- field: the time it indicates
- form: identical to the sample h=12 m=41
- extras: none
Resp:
h=5 m=37
